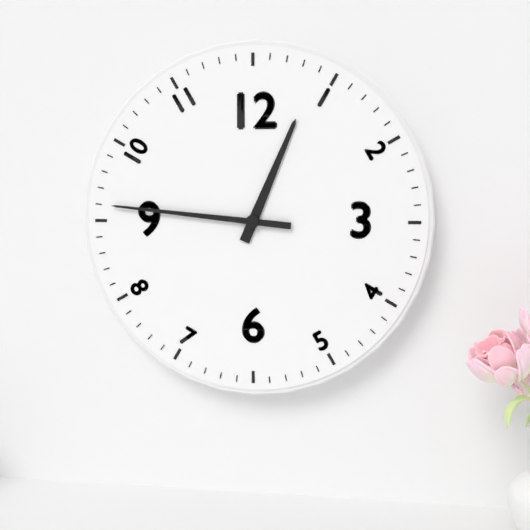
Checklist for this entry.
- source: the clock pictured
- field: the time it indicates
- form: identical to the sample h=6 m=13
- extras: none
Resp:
h=12 m=46
